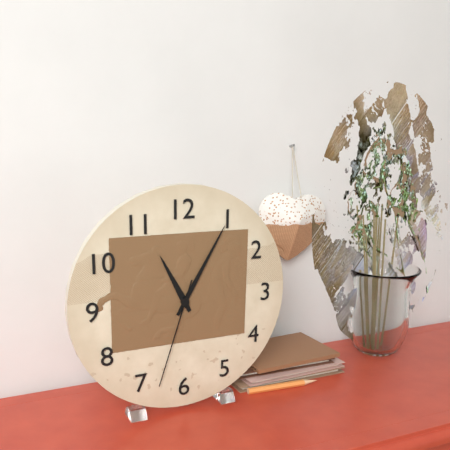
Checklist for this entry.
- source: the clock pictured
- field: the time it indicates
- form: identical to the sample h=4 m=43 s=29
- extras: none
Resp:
h=11 m=5 s=33
